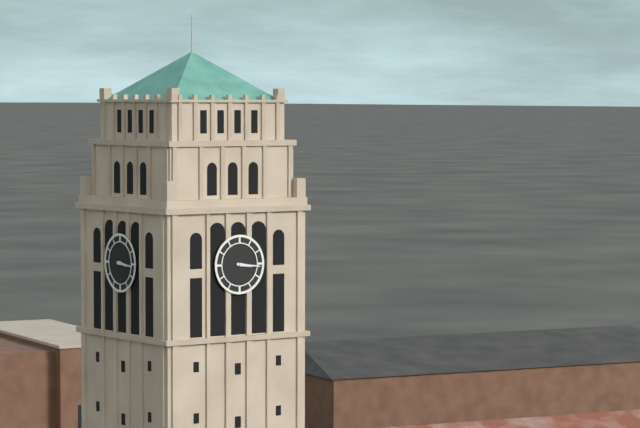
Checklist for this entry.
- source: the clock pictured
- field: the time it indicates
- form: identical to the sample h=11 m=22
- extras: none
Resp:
h=3 m=16
